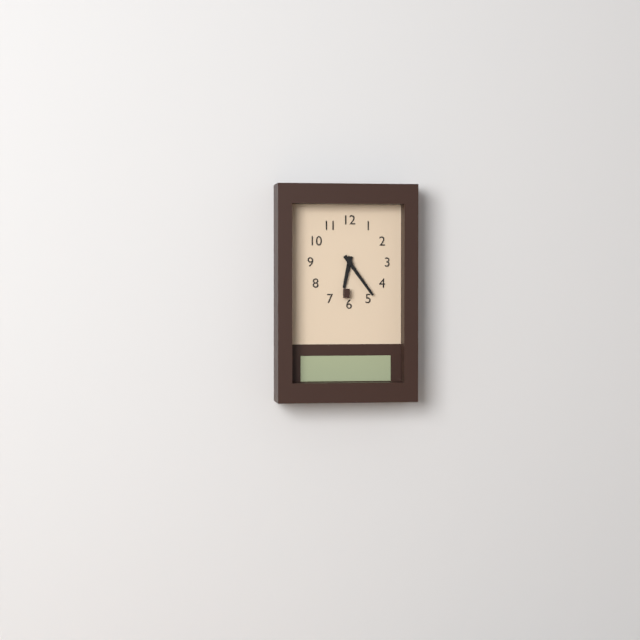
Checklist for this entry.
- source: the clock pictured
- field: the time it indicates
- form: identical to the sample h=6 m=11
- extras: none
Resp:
h=6 m=24
